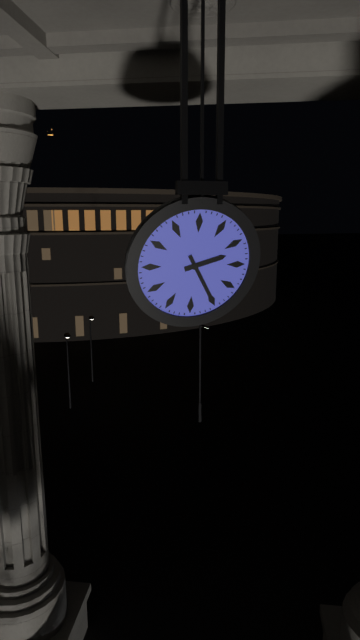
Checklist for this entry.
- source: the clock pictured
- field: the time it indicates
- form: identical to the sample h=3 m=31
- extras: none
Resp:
h=2 m=25
